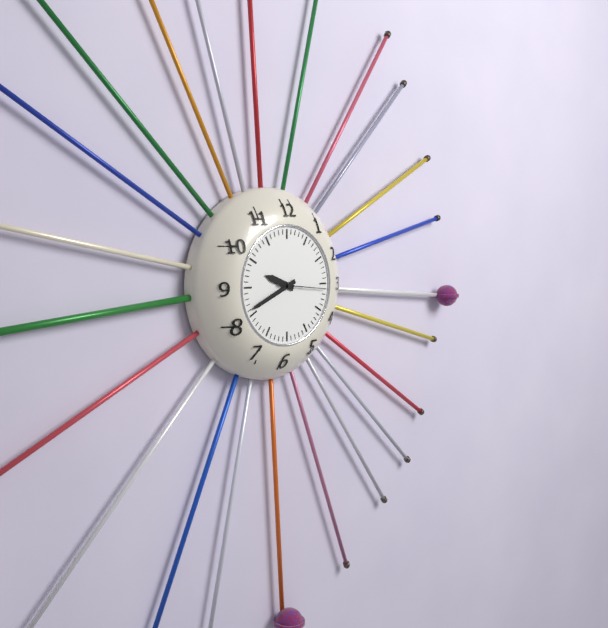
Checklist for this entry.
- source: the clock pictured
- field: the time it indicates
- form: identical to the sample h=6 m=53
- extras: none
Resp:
h=9 m=41
